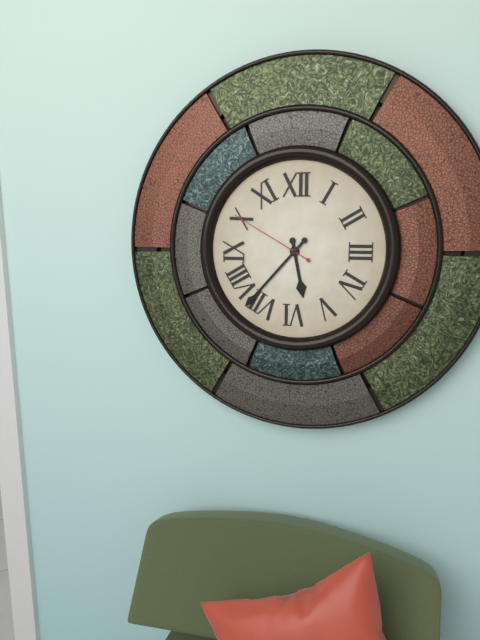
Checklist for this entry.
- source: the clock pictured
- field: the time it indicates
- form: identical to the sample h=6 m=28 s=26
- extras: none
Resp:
h=5 m=37 s=50
